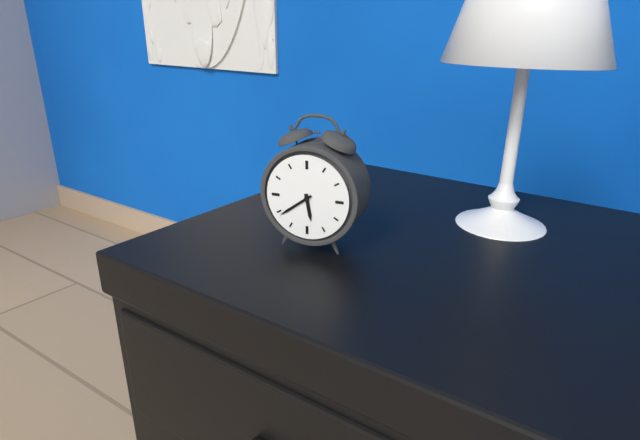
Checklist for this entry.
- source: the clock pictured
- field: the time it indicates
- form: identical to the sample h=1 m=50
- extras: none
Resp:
h=5 m=39
